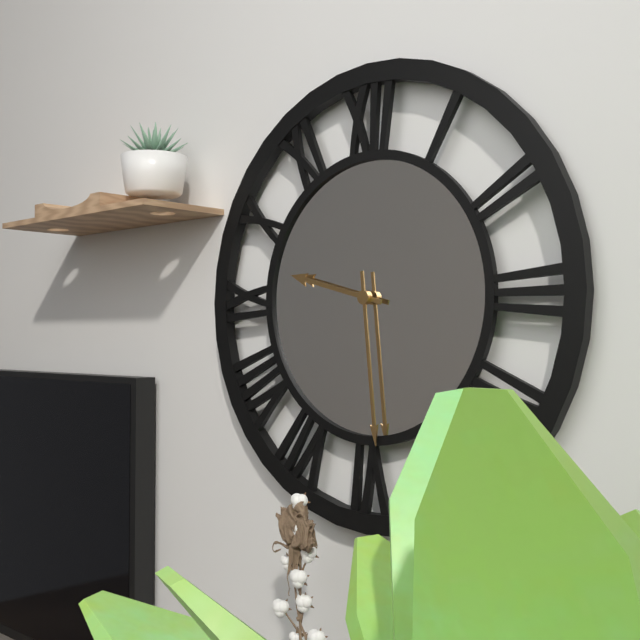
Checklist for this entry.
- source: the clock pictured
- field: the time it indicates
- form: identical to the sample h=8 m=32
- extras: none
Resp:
h=9 m=29
